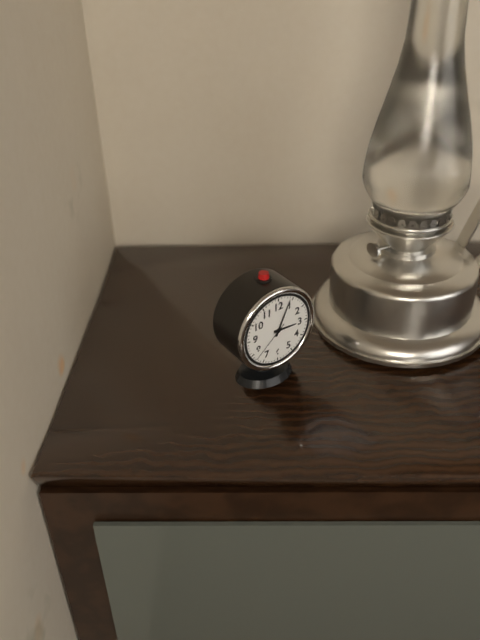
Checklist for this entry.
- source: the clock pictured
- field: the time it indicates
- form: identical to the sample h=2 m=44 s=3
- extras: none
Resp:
h=3 m=4 s=38
